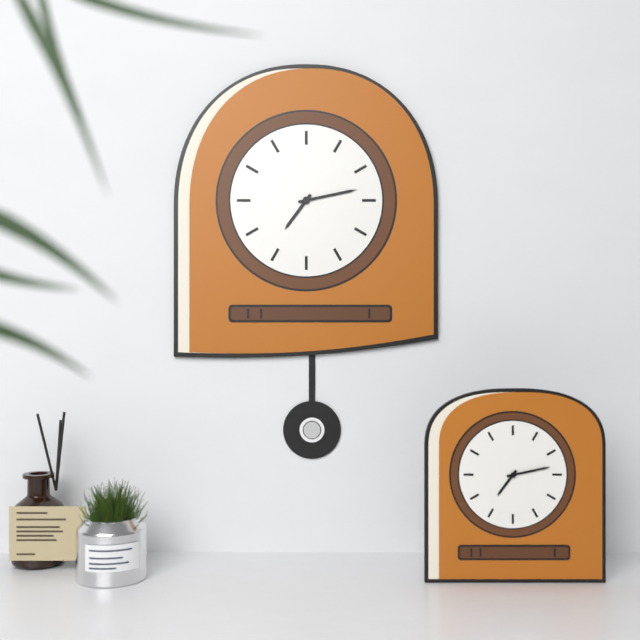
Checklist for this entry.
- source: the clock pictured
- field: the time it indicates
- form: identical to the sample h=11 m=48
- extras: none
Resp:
h=7 m=13
